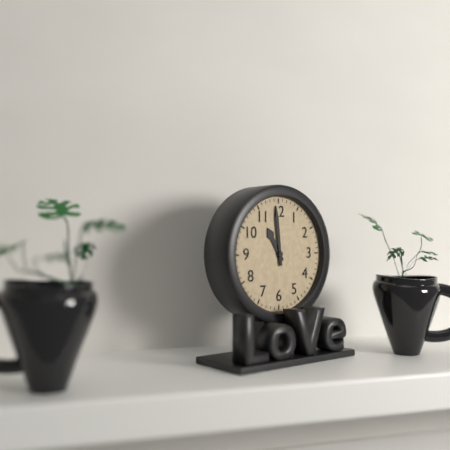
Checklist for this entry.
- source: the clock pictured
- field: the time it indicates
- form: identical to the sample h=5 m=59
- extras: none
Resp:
h=10 m=59
